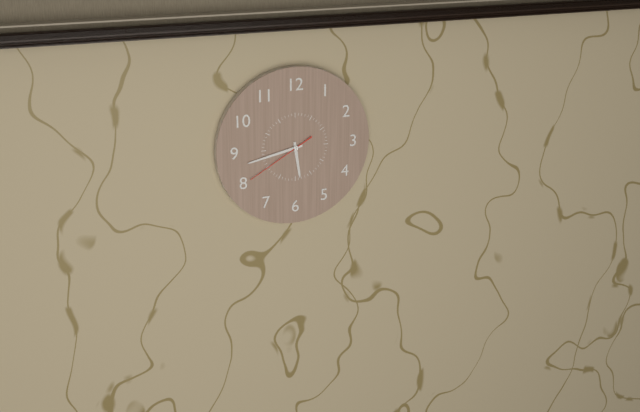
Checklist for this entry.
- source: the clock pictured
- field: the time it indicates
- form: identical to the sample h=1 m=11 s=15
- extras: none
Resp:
h=5 m=43 s=40
